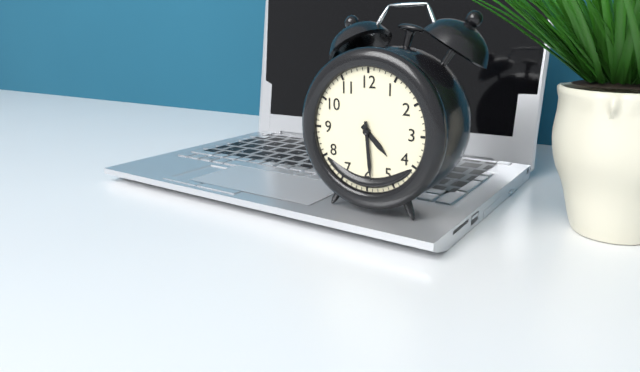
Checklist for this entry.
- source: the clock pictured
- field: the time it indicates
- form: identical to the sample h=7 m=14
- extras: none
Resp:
h=4 m=29
